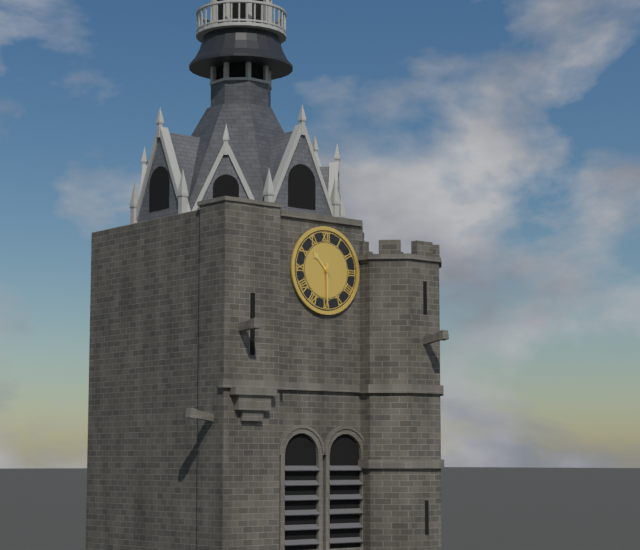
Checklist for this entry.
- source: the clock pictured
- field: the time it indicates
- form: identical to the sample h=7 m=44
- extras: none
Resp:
h=10 m=30
